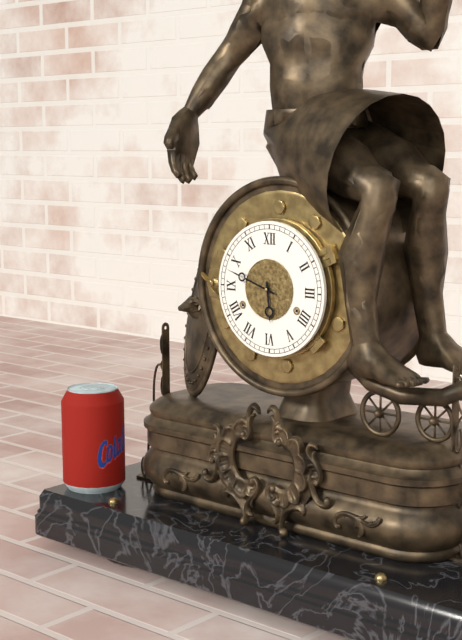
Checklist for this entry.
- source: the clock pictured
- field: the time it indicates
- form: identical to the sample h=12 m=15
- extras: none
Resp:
h=5 m=48
